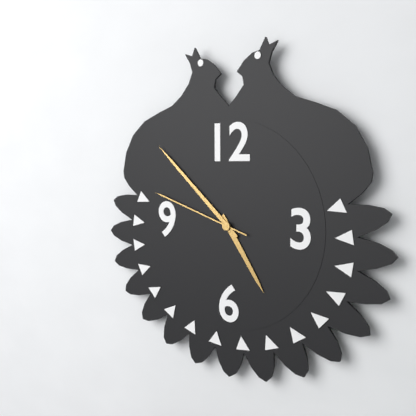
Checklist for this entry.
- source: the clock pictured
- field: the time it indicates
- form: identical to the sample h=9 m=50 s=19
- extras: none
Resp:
h=4 m=52 s=48
